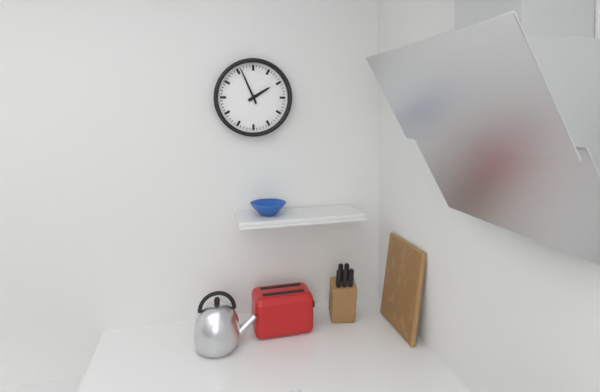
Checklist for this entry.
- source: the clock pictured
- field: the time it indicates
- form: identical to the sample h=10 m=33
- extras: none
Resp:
h=1 m=56
